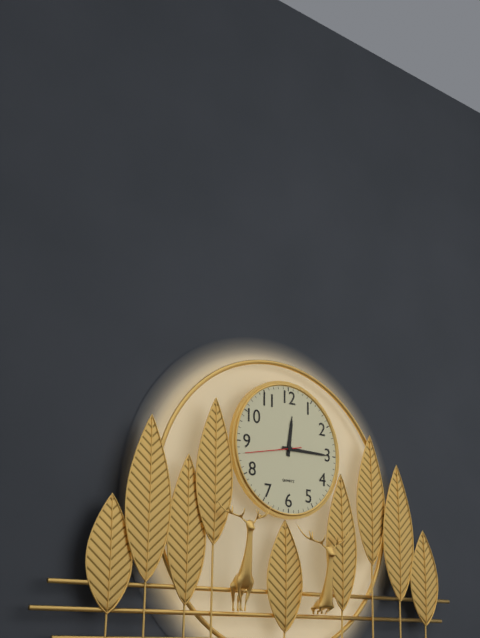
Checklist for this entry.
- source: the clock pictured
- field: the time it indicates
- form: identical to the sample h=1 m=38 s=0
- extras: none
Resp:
h=12 m=15 s=43
